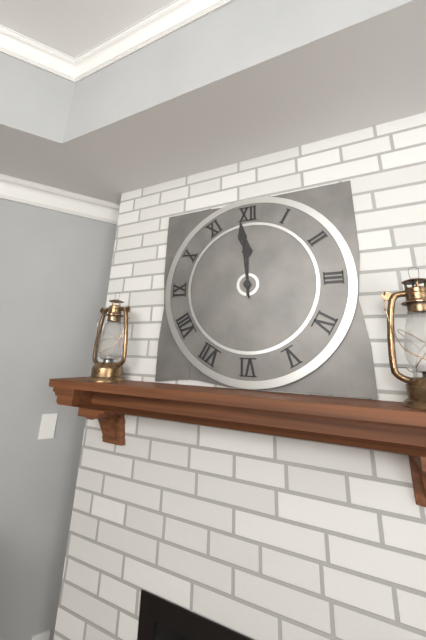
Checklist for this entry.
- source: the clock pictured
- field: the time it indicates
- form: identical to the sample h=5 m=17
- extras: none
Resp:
h=11 m=59
